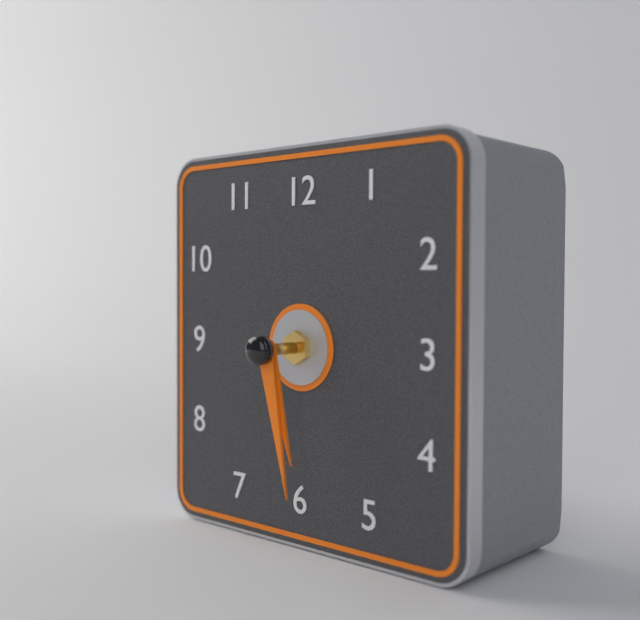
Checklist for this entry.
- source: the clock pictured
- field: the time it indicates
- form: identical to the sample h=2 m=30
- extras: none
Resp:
h=5 m=28
